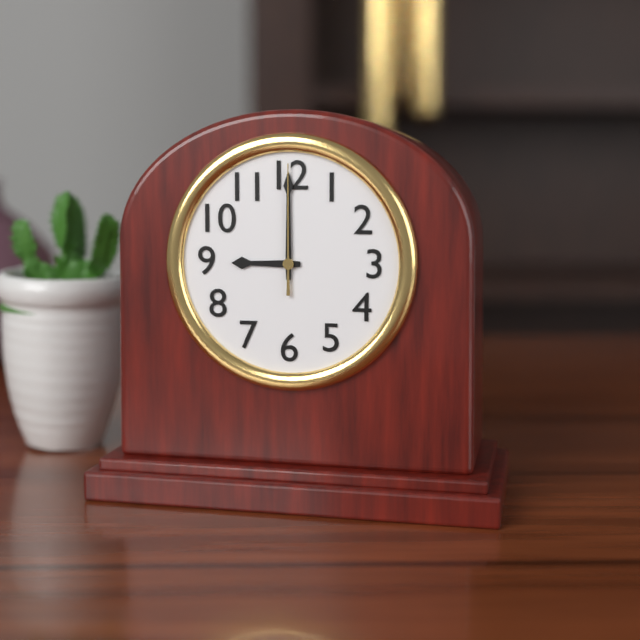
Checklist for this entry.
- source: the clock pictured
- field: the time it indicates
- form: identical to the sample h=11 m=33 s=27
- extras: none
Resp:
h=9 m=0 s=0
